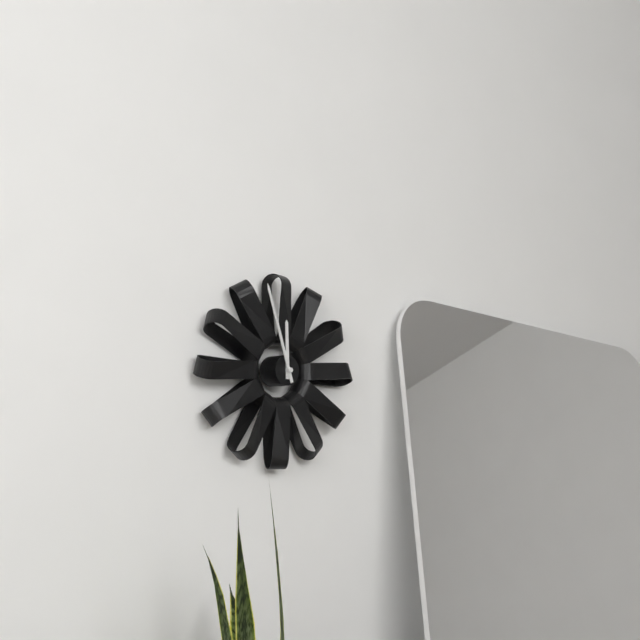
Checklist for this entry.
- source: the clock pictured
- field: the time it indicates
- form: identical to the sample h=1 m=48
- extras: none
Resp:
h=11 m=57
